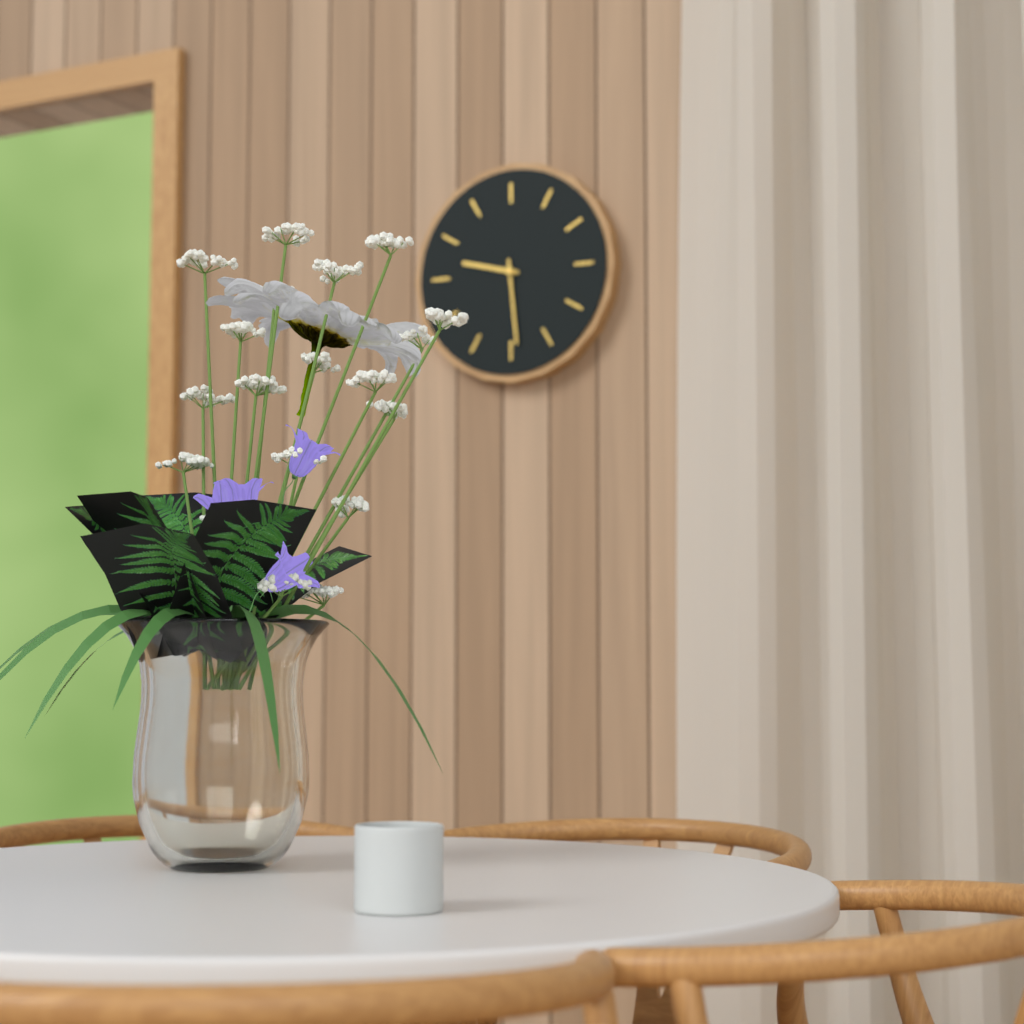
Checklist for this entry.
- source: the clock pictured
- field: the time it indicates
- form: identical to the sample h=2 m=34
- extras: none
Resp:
h=9 m=29
